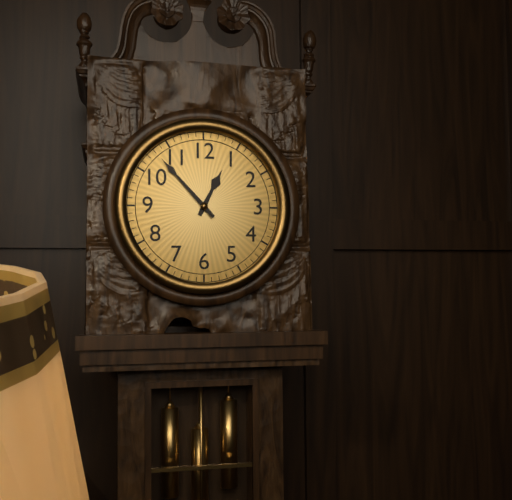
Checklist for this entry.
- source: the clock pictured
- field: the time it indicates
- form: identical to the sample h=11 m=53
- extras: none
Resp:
h=12 m=53
